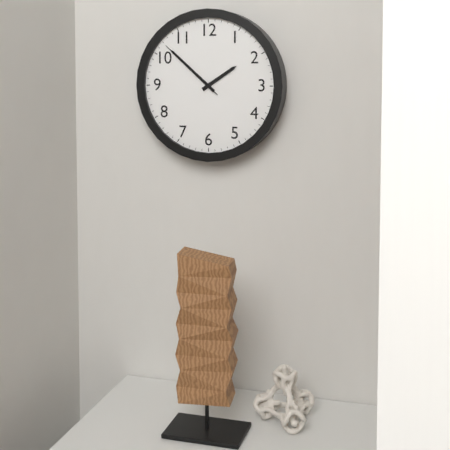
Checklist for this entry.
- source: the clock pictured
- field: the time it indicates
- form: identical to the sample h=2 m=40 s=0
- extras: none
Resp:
h=1 m=52 s=52
